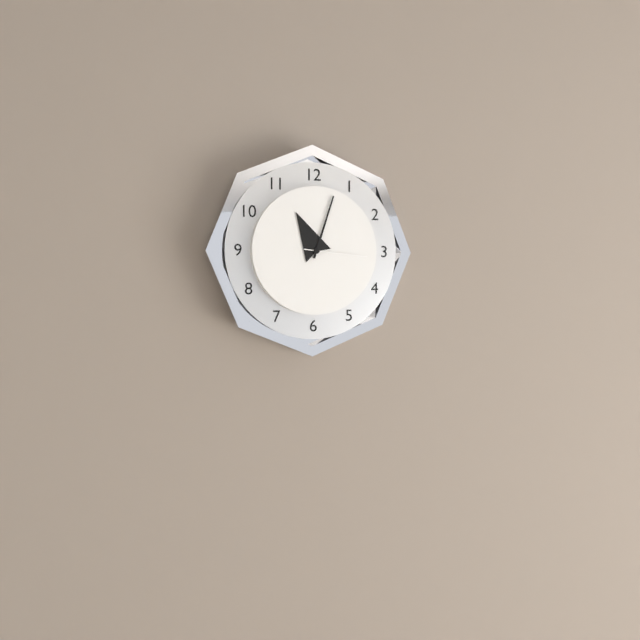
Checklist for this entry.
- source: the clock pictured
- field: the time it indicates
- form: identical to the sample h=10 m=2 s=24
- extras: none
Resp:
h=11 m=3 s=16
